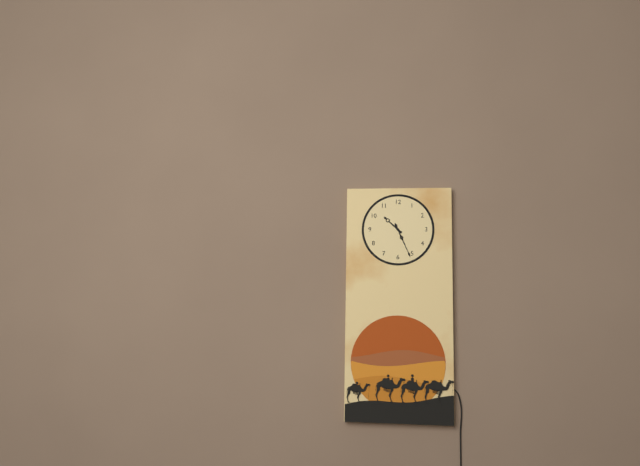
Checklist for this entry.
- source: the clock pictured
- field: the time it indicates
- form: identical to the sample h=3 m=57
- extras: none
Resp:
h=10 m=26
